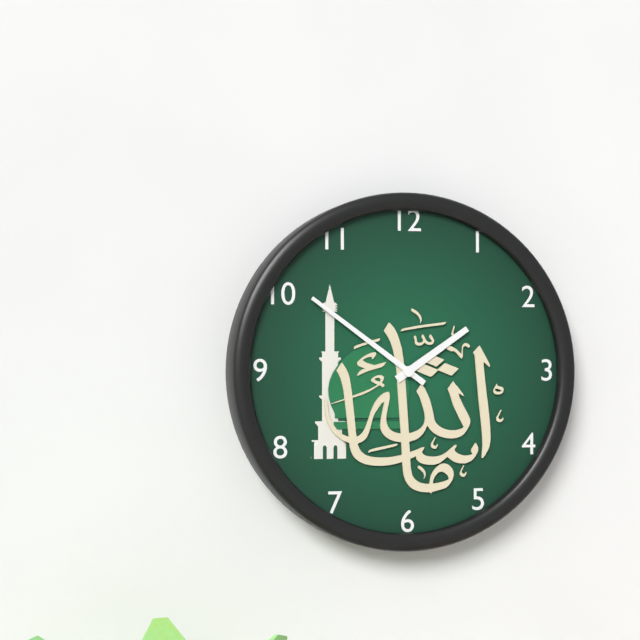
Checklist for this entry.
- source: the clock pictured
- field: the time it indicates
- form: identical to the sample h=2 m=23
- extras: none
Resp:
h=1 m=51
